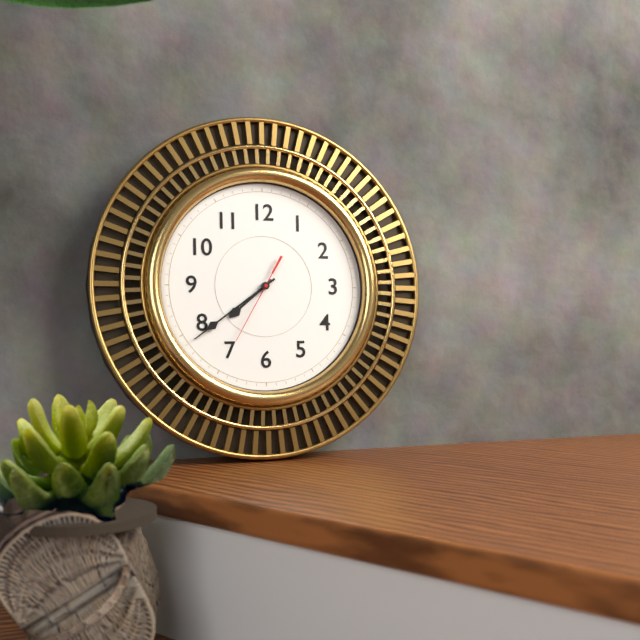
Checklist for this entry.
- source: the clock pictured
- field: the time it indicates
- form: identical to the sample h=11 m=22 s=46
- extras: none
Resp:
h=7 m=39 s=35
